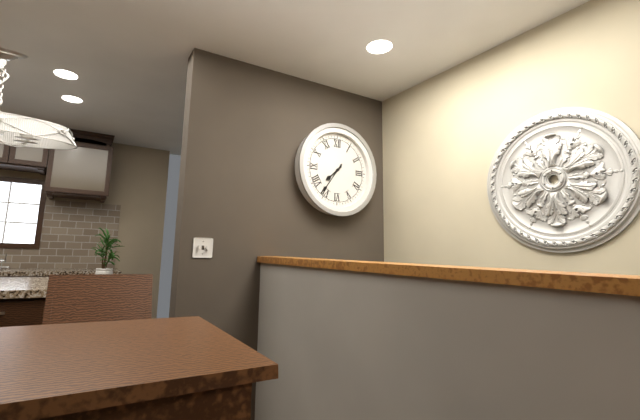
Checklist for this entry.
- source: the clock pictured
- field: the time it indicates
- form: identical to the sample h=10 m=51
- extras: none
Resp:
h=7 m=36
